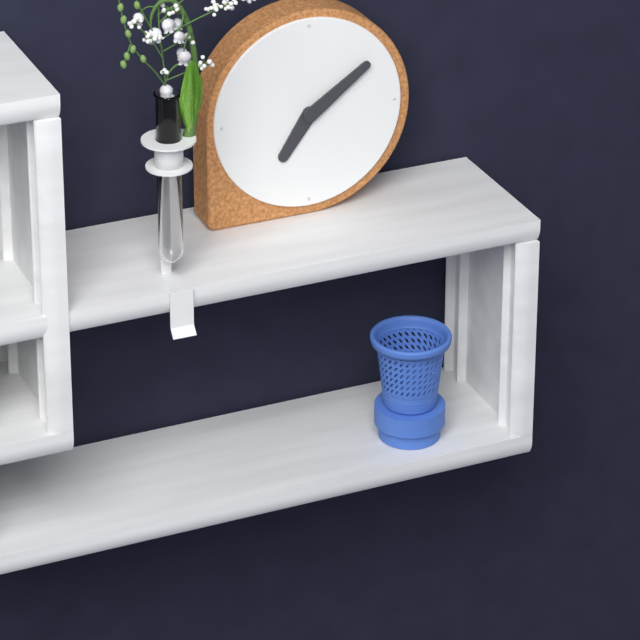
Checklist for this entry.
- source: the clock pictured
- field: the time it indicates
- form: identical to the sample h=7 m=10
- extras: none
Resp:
h=7 m=9
